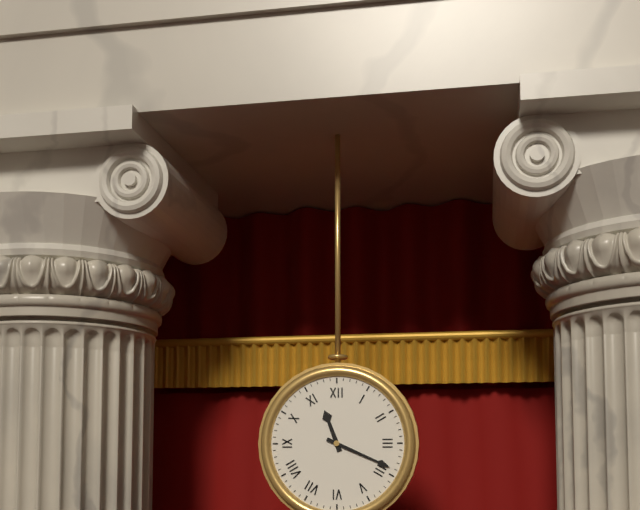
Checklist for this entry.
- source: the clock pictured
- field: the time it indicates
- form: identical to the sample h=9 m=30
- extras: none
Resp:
h=11 m=19
